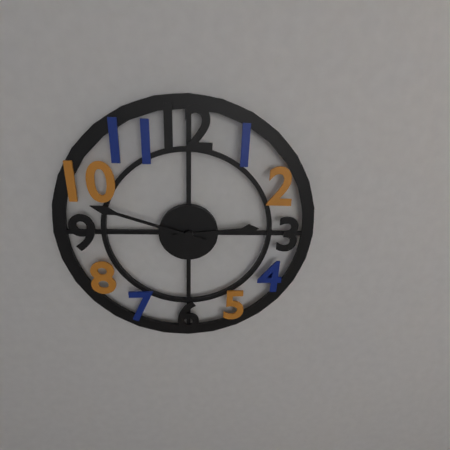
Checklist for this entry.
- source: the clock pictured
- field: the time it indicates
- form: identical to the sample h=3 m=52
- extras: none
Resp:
h=2 m=48
